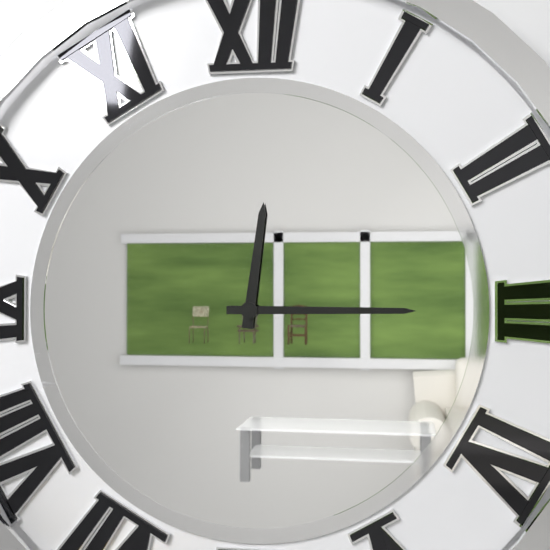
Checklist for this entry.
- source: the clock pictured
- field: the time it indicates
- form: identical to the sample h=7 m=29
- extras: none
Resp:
h=12 m=15
